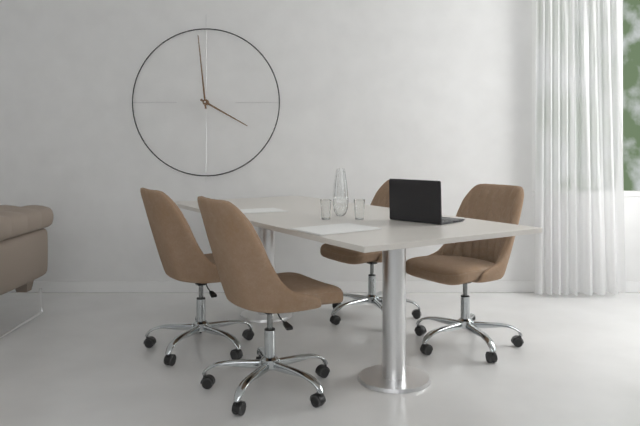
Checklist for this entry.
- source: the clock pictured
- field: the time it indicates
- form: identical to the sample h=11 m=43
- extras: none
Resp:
h=3 m=59
